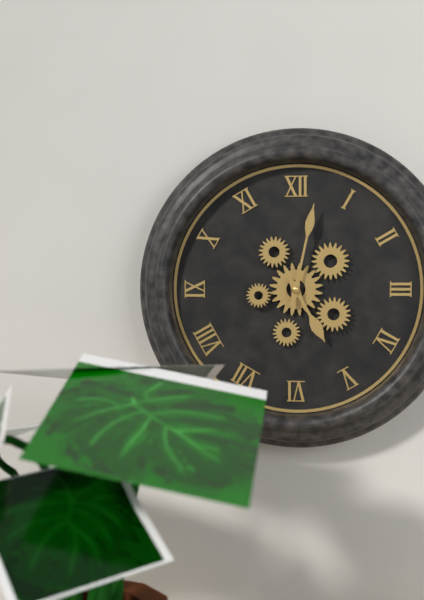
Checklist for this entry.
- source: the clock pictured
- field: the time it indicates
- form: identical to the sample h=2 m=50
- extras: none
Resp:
h=5 m=2
